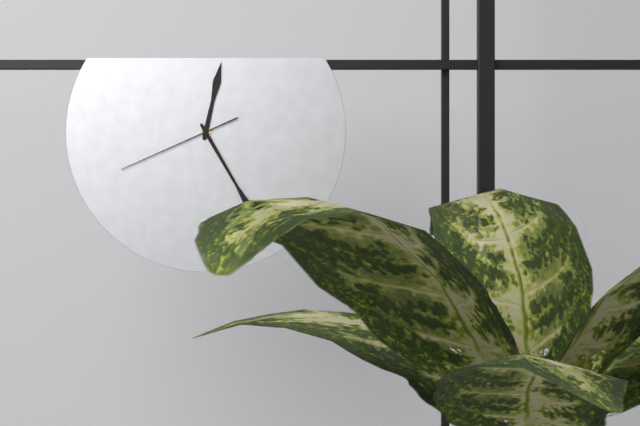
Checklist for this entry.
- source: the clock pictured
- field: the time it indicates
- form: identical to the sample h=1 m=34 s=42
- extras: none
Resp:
h=12 m=25 s=41
